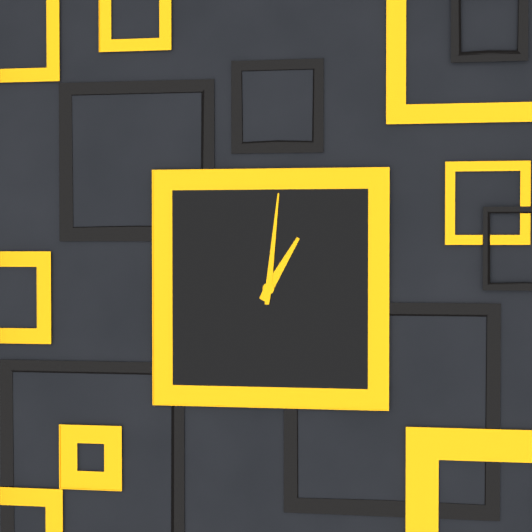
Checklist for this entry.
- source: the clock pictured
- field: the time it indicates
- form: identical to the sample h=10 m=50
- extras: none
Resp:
h=1 m=1
